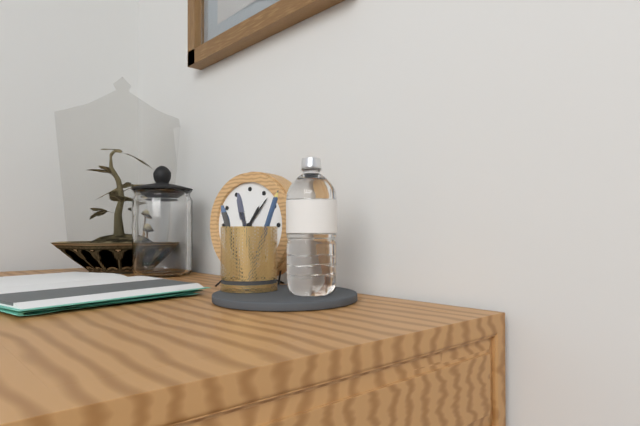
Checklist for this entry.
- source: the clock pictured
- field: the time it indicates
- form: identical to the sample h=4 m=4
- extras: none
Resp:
h=1 m=7
